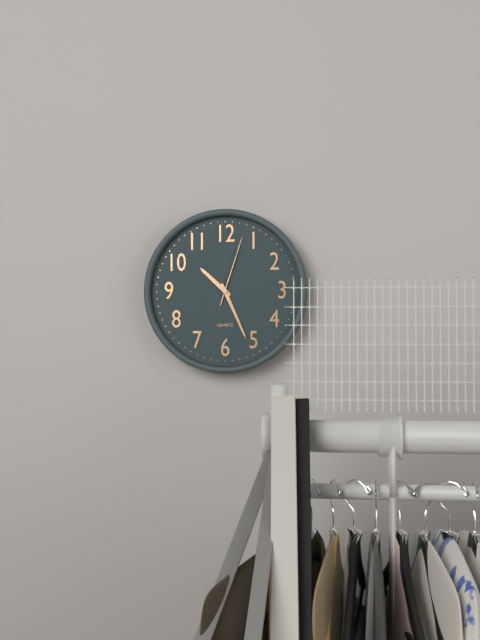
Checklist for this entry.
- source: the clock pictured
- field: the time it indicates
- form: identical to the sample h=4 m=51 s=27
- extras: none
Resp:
h=10 m=26 s=3
